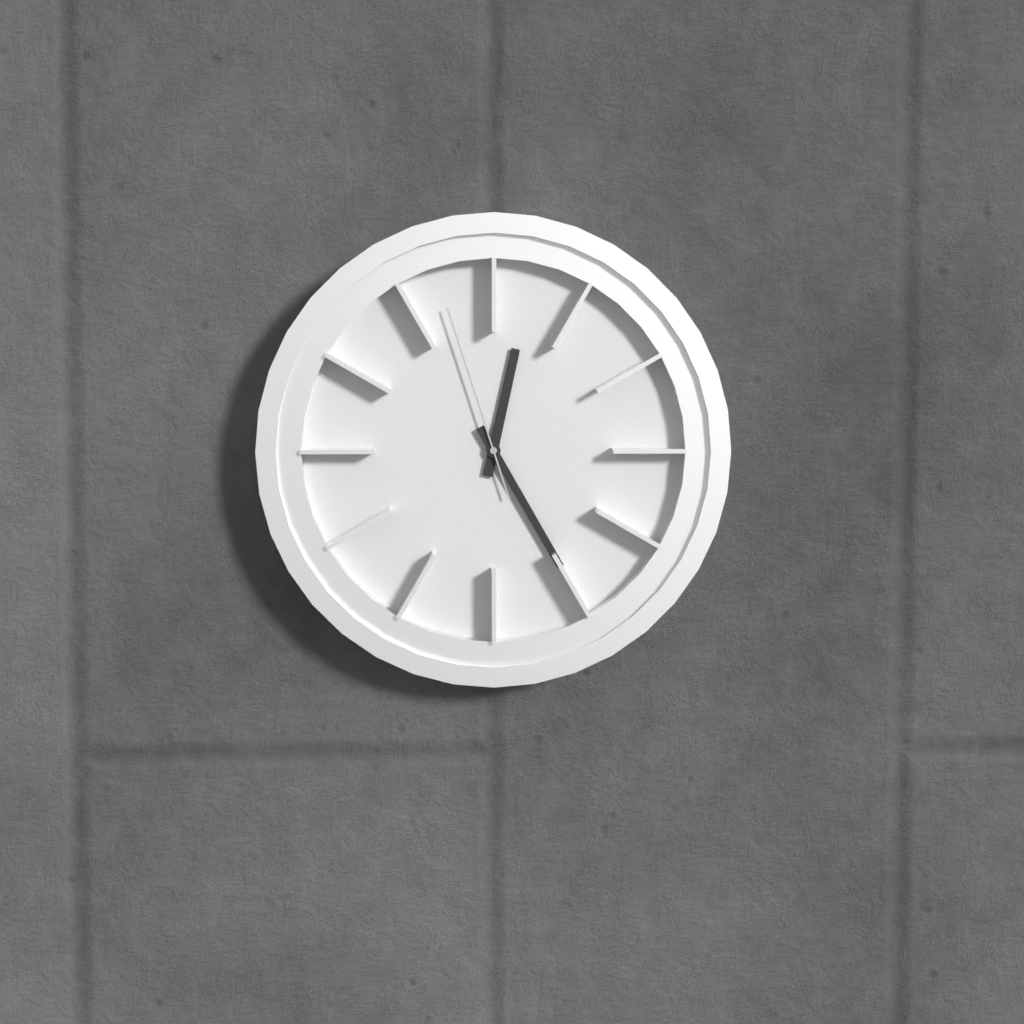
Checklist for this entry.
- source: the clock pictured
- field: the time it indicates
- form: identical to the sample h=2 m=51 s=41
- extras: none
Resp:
h=12 m=25 s=57
